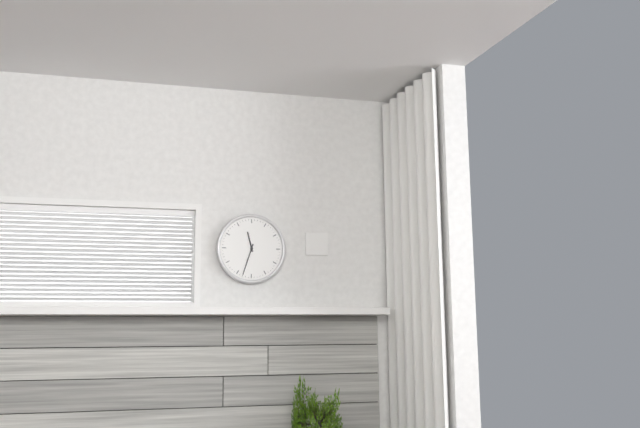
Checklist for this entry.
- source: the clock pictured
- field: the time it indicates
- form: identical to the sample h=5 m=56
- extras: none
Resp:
h=11 m=33
